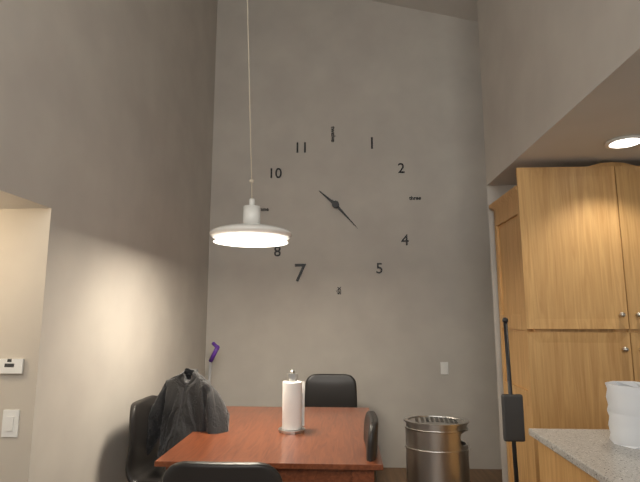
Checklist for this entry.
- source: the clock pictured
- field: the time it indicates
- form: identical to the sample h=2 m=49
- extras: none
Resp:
h=10 m=23
